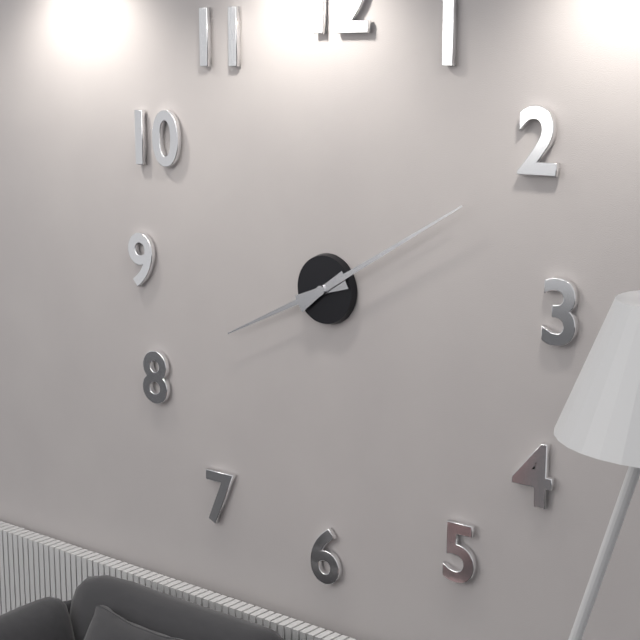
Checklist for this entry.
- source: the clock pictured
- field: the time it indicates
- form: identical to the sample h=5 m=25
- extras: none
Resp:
h=8 m=10
